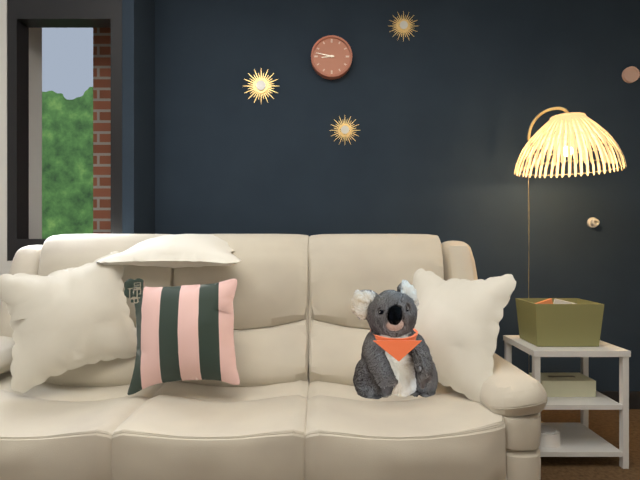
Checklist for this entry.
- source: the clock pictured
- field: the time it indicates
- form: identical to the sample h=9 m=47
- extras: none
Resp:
h=8 m=47
